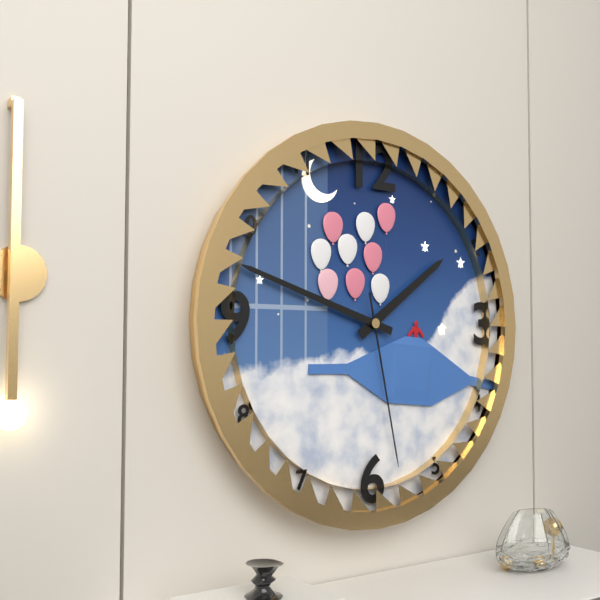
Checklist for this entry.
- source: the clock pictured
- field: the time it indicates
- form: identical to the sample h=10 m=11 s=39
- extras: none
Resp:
h=1 m=48 s=28
